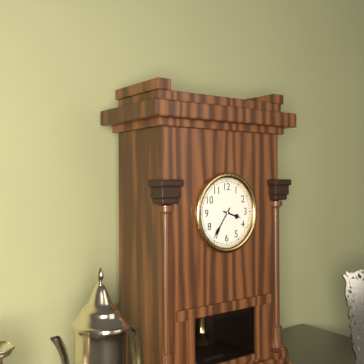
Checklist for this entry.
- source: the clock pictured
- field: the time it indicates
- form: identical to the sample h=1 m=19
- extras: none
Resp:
h=3 m=36
